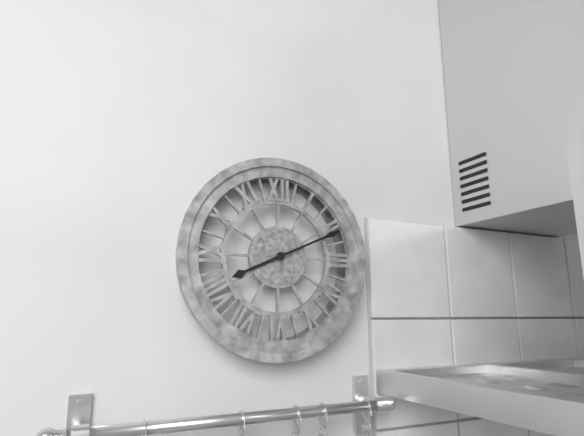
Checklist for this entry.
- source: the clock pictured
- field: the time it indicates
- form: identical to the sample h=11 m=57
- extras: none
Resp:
h=8 m=11
